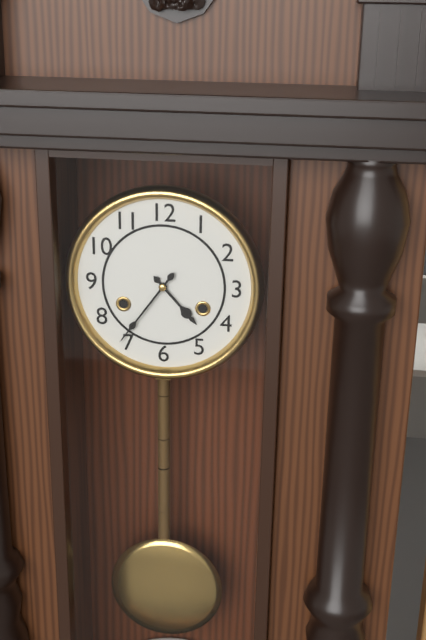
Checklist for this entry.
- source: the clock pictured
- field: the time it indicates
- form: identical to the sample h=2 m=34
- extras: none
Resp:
h=4 m=36
